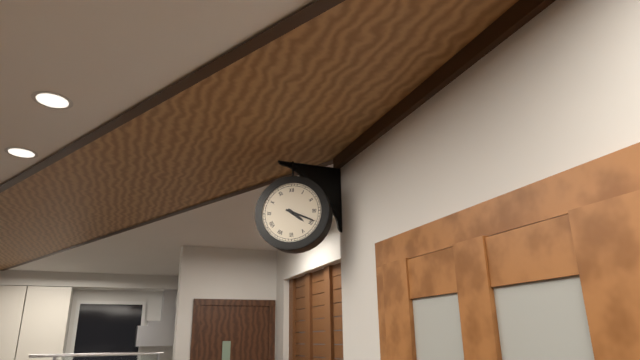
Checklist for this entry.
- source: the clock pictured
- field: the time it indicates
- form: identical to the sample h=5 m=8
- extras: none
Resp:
h=4 m=19
